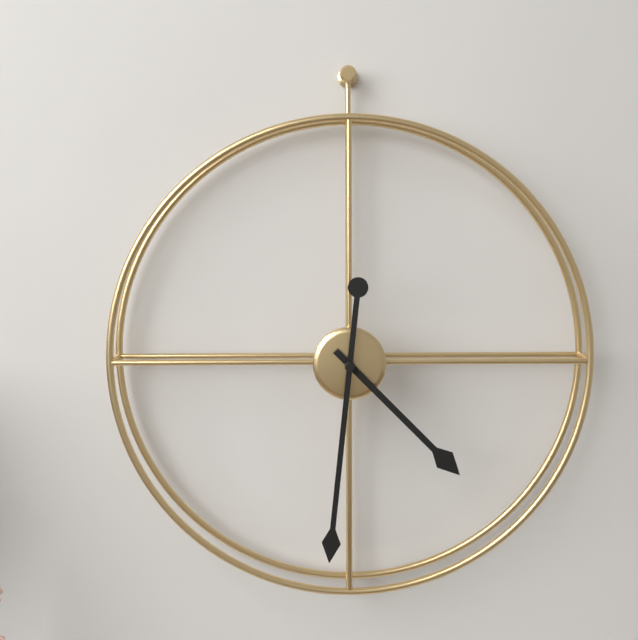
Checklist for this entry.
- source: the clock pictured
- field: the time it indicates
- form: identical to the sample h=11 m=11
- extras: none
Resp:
h=4 m=31
